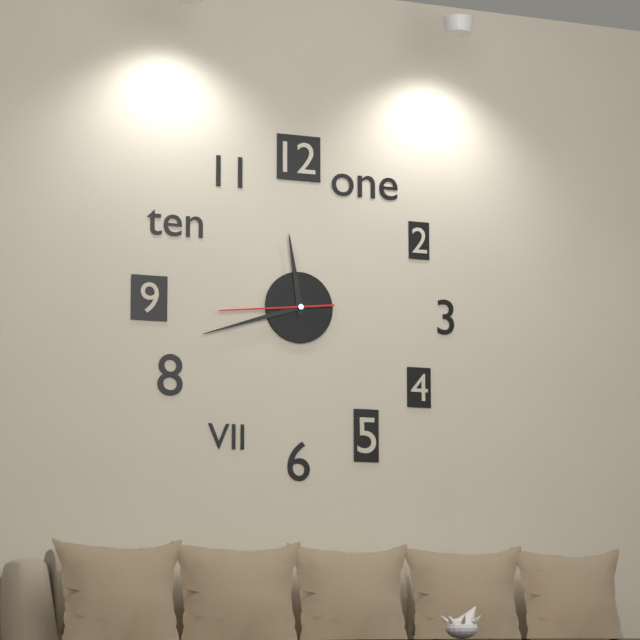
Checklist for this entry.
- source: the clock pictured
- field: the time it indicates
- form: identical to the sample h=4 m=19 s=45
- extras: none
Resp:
h=11 m=42 s=44
